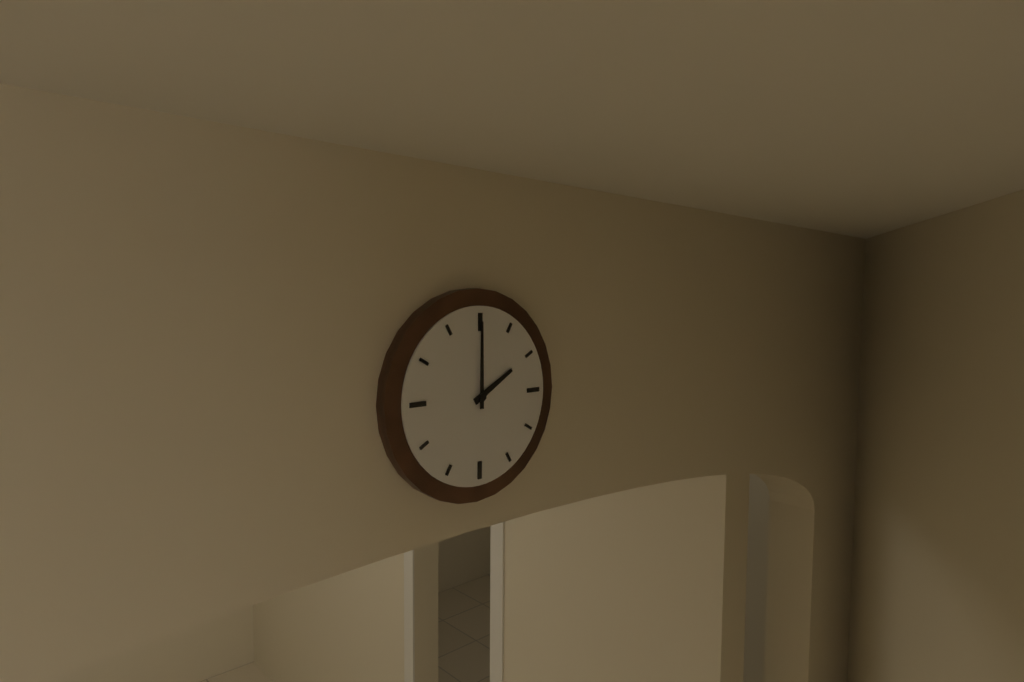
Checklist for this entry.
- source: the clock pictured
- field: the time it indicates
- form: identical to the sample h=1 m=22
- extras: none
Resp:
h=2 m=0
